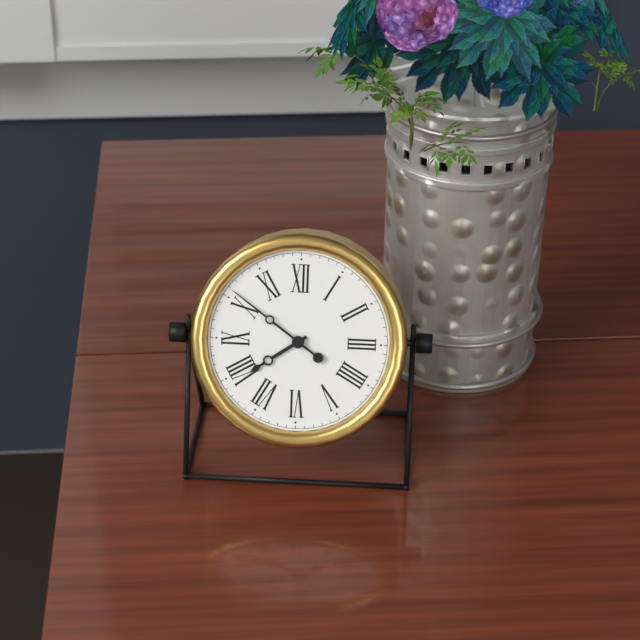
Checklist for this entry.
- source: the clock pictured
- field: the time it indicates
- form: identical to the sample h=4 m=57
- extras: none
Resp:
h=7 m=51
